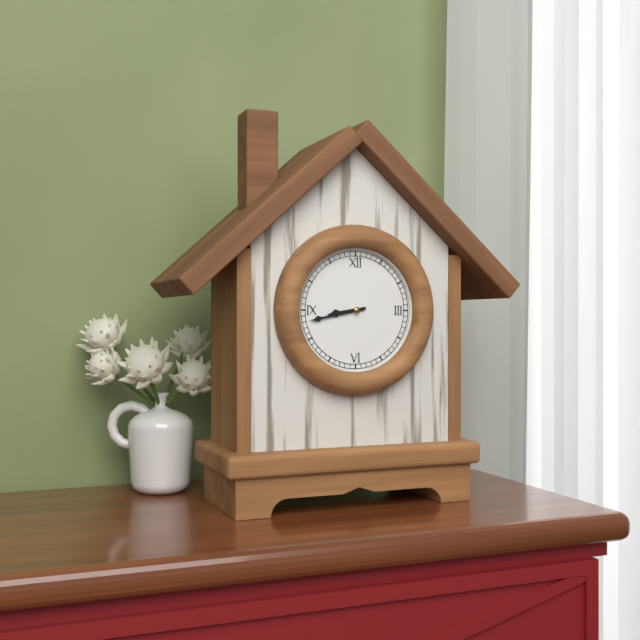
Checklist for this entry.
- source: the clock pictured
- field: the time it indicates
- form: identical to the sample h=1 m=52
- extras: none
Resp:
h=8 m=43
